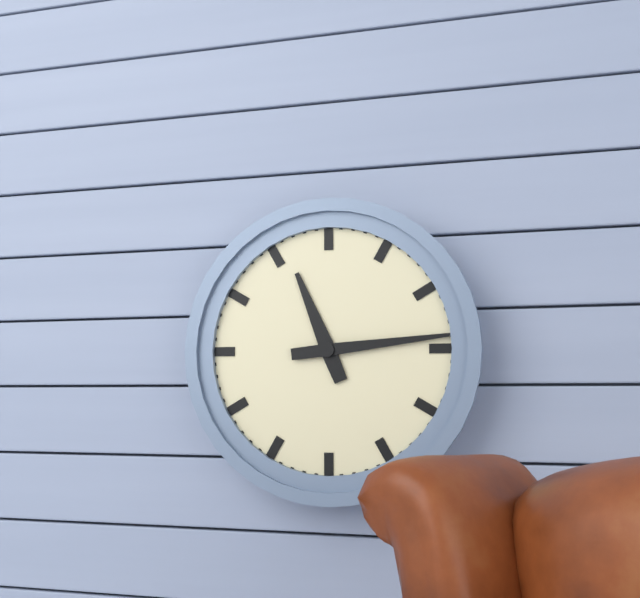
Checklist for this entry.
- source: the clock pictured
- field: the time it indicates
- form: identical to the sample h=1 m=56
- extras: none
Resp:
h=11 m=14
